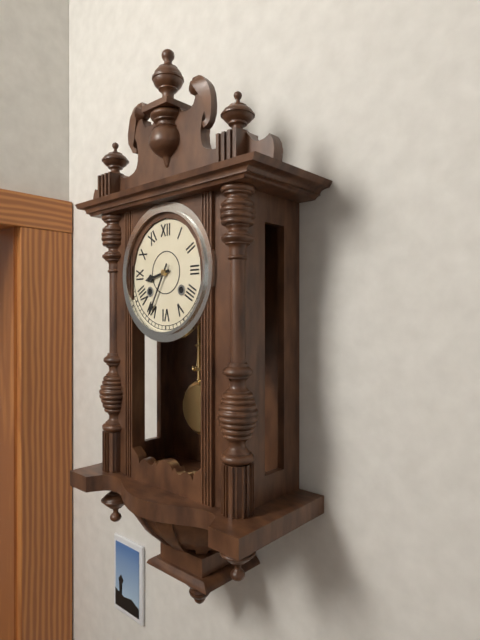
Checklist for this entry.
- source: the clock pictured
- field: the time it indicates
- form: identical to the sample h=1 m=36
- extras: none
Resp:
h=8 m=35
